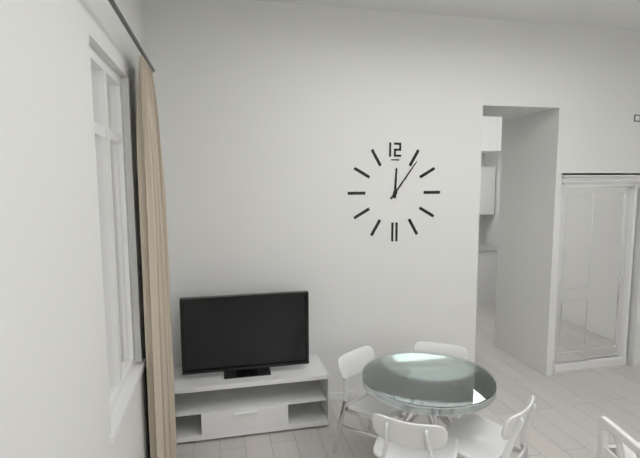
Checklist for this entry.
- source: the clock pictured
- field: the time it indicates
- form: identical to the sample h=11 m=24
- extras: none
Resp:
h=12 m=6
